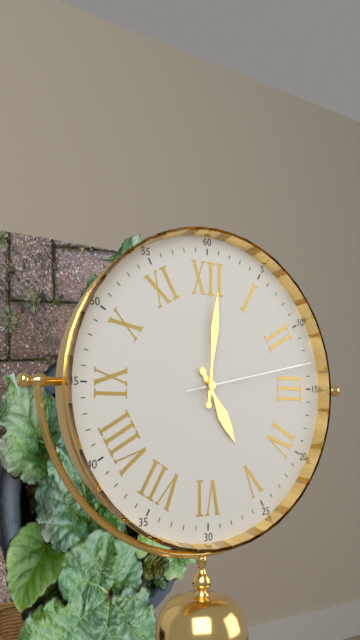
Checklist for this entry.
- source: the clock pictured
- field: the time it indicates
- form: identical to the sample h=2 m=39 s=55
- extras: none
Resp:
h=5 m=1 s=13
